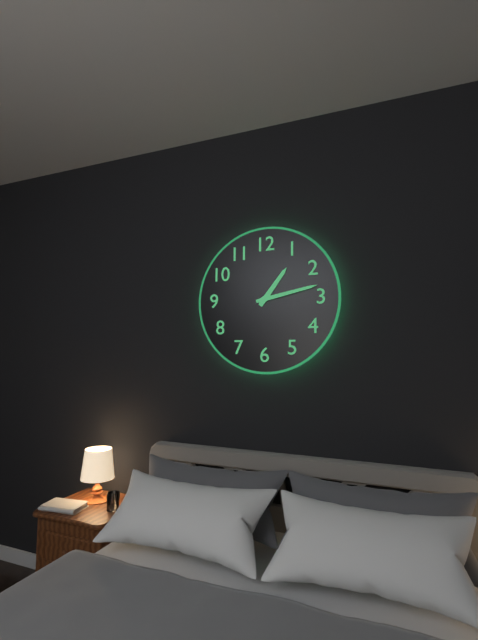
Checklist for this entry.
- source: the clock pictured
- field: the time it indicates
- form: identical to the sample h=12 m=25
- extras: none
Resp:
h=1 m=13
